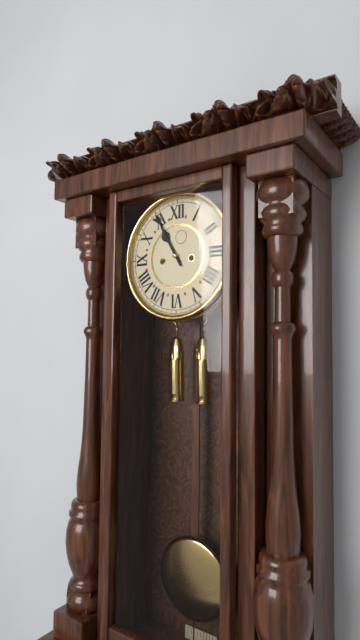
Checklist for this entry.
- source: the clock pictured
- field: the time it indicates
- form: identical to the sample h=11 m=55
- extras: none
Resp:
h=10 m=55
